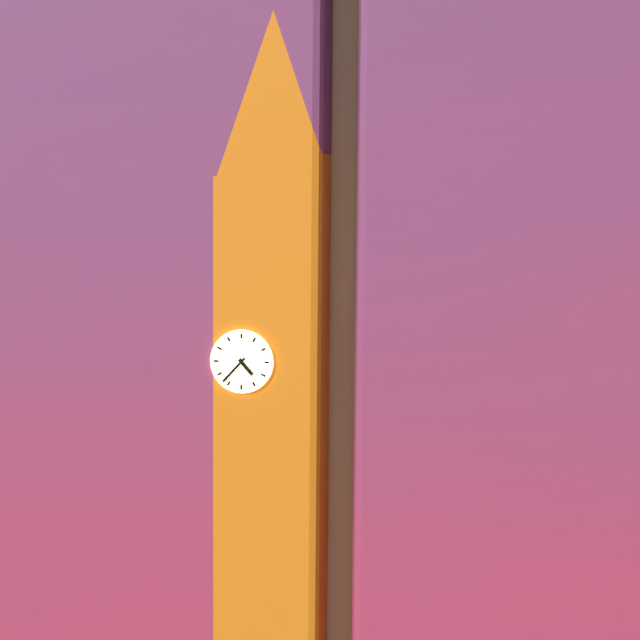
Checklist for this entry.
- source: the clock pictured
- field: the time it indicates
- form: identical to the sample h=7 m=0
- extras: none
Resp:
h=4 m=37
